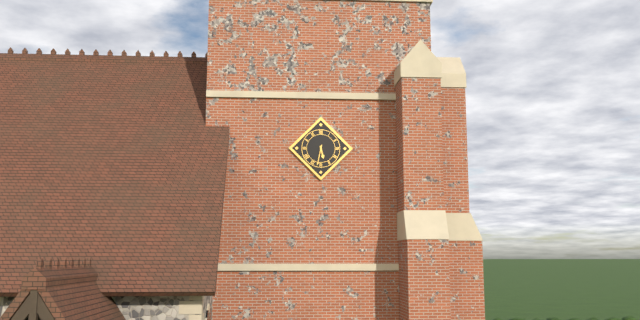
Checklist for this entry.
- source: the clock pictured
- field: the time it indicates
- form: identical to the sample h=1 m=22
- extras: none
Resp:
h=5 m=32
